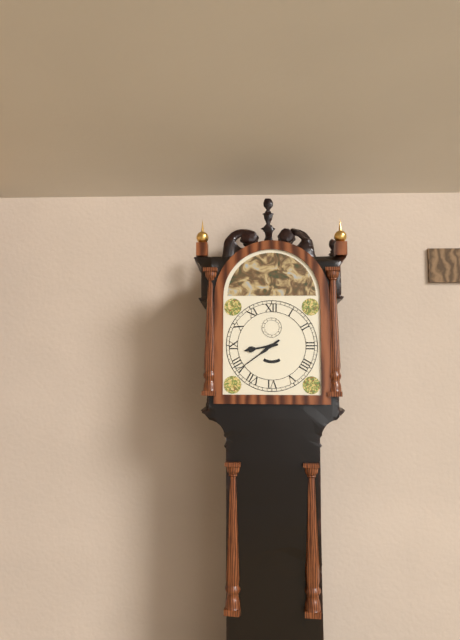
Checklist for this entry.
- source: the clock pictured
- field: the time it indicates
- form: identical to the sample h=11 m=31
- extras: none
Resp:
h=8 m=39
